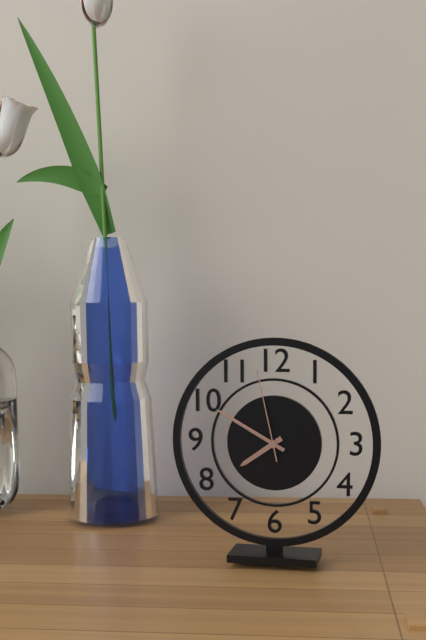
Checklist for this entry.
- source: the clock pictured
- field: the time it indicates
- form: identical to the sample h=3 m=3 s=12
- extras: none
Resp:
h=7 m=50 s=58
